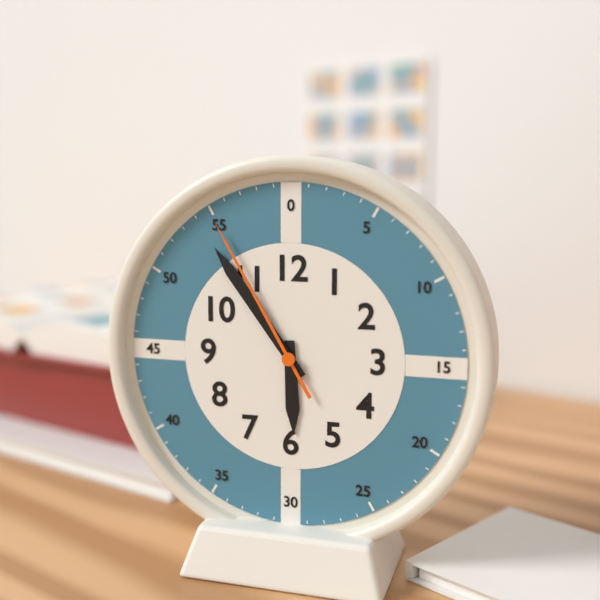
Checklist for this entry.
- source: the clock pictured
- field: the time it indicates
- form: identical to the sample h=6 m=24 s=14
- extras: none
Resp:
h=5 m=54 s=55
